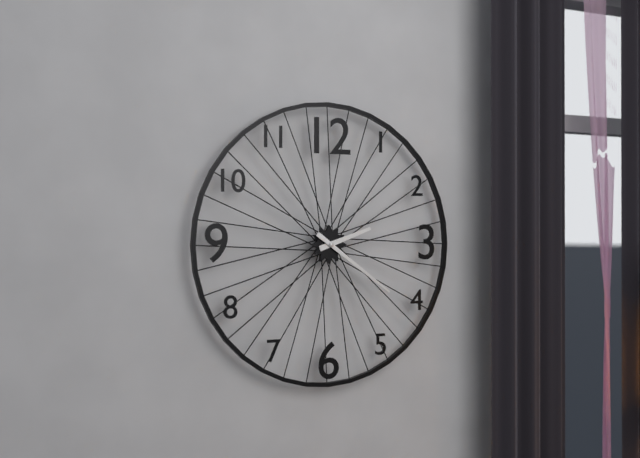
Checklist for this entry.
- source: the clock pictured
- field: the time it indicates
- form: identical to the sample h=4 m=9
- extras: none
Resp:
h=2 m=21
